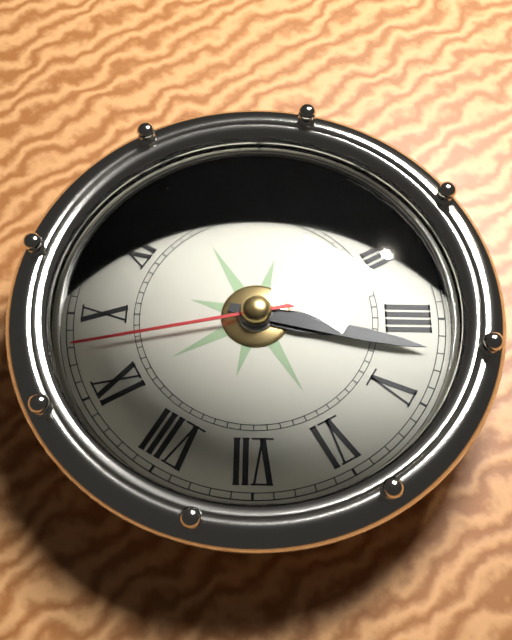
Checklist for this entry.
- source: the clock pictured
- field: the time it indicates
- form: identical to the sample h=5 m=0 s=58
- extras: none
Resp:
h=4 m=22 s=48
